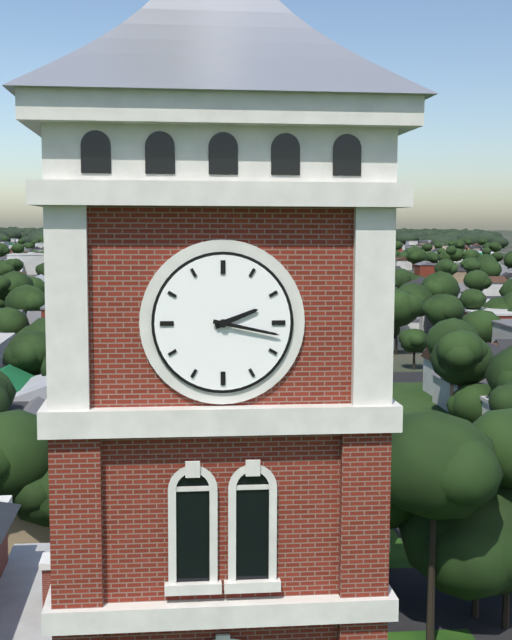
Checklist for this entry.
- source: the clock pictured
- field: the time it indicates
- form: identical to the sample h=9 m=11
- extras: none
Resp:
h=2 m=17
